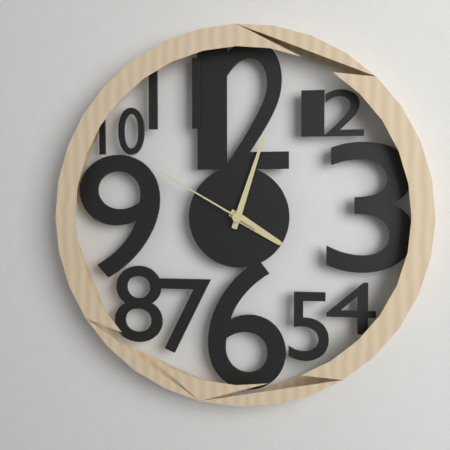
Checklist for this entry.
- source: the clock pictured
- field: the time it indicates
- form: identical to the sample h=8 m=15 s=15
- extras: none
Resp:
h=4 m=3 s=50
